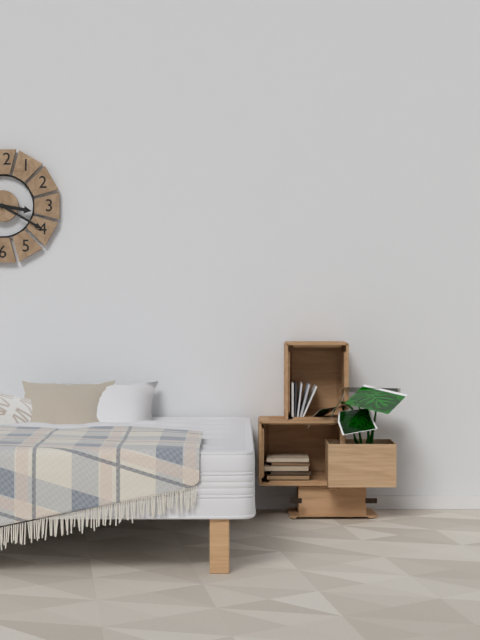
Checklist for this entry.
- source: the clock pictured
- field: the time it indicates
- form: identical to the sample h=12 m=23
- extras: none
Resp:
h=3 m=20
